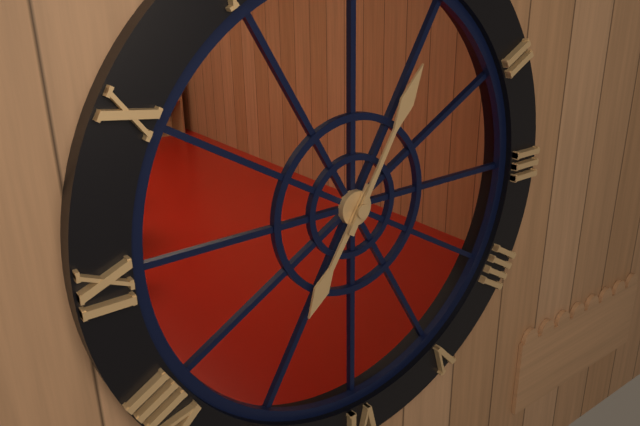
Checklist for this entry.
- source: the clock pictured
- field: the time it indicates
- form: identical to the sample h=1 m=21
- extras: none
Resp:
h=7 m=5
